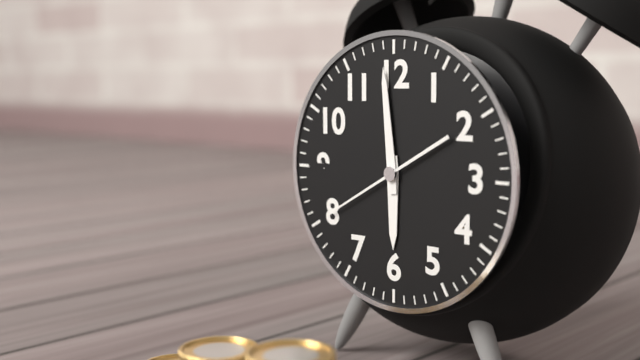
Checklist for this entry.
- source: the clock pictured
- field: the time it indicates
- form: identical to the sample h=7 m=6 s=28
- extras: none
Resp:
h=5 m=59 s=40
